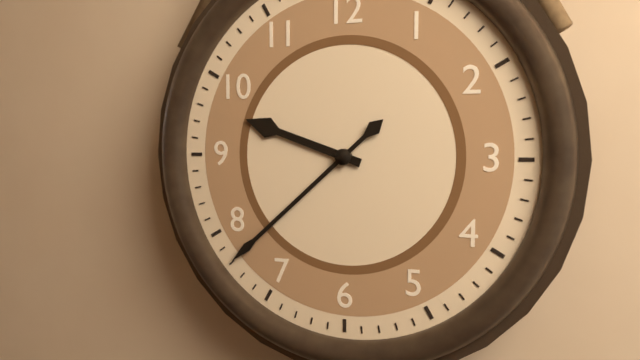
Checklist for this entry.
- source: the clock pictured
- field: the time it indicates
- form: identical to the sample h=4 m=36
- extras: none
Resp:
h=9 m=38
